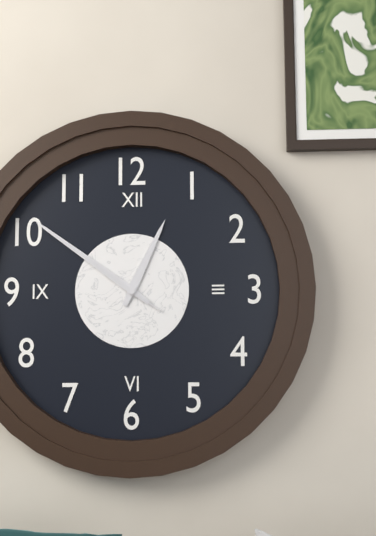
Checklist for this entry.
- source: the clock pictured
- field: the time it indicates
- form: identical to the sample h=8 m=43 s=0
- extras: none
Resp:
h=12 m=51 s=51
